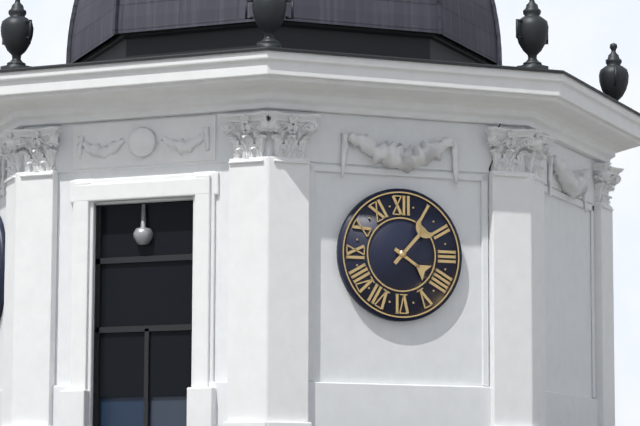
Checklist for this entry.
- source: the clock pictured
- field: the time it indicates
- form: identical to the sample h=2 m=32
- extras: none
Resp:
h=4 m=7
